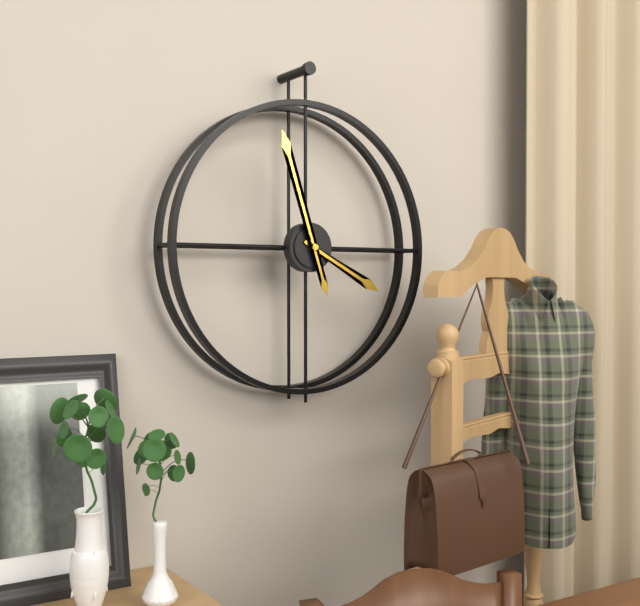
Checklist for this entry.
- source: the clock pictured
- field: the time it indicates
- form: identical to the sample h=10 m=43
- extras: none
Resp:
h=3 m=57
